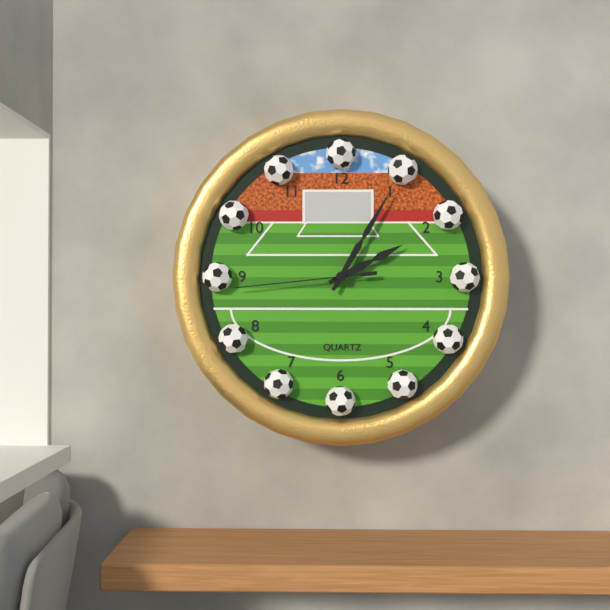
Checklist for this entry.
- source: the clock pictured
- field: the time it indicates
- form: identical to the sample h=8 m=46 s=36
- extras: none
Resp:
h=2 m=5 s=44
